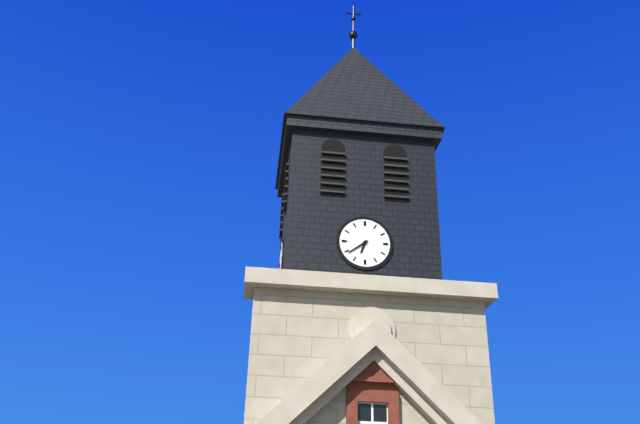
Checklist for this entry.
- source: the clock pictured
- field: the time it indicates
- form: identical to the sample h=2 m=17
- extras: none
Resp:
h=6 m=39
